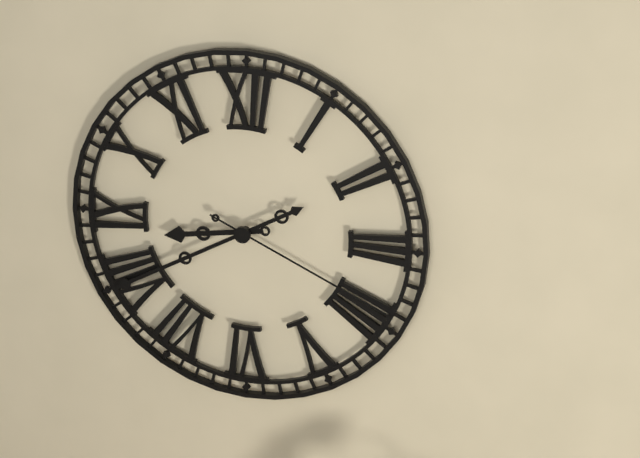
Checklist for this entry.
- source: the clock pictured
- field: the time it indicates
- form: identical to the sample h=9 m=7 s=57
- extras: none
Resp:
h=8 m=40 s=19
